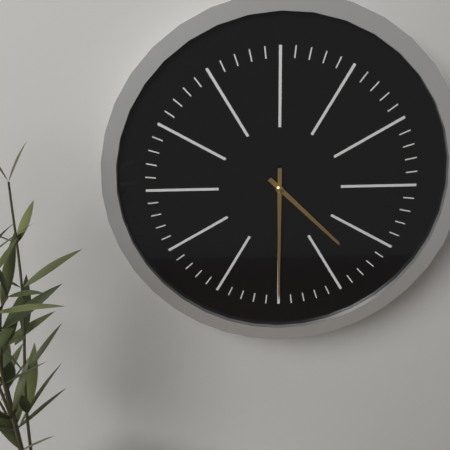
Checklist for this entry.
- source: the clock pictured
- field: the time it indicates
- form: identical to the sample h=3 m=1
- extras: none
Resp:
h=4 m=30
